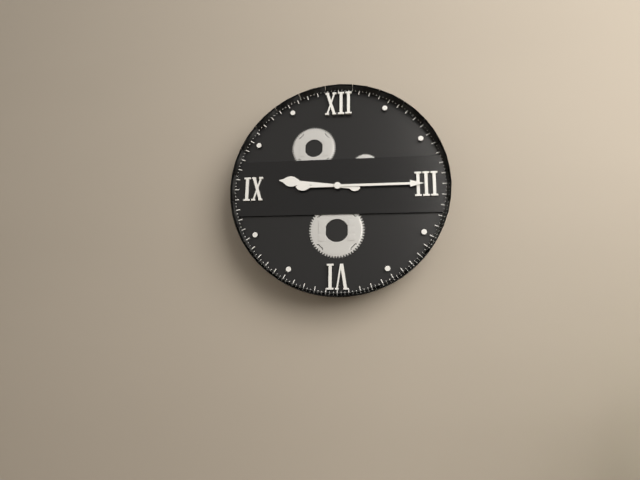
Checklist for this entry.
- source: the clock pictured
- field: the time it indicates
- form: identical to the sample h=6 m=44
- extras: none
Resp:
h=9 m=15
